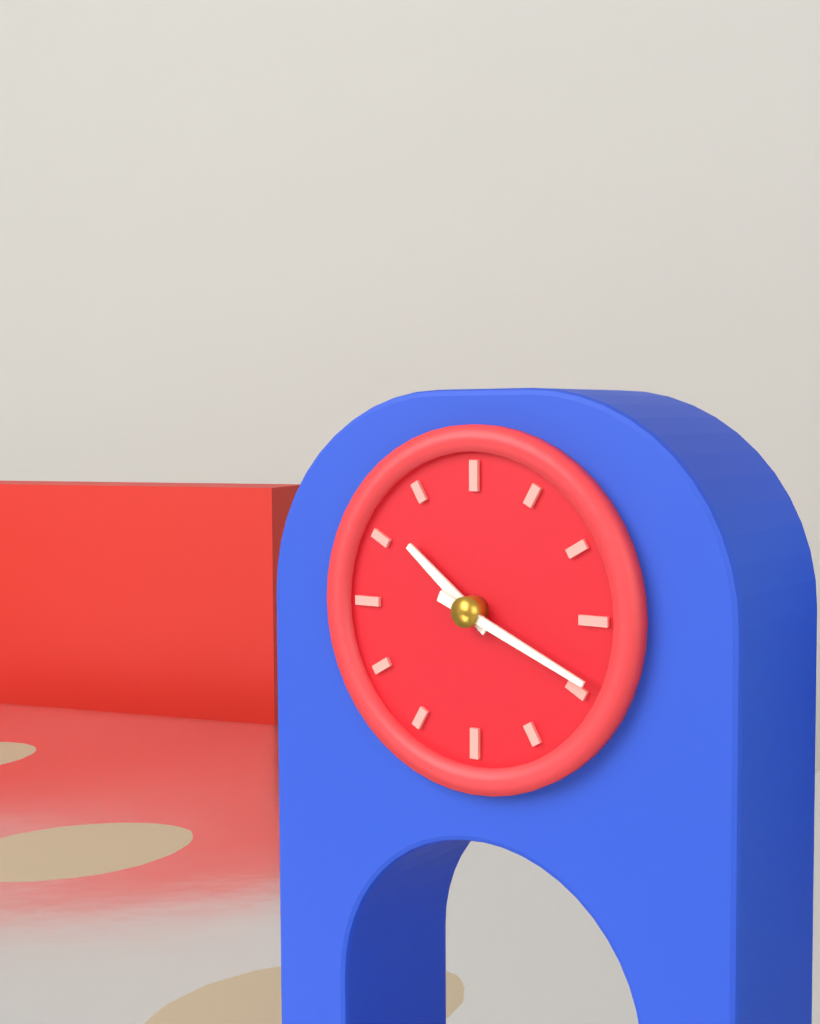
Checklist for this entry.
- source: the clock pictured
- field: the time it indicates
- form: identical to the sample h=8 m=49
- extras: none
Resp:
h=10 m=19
